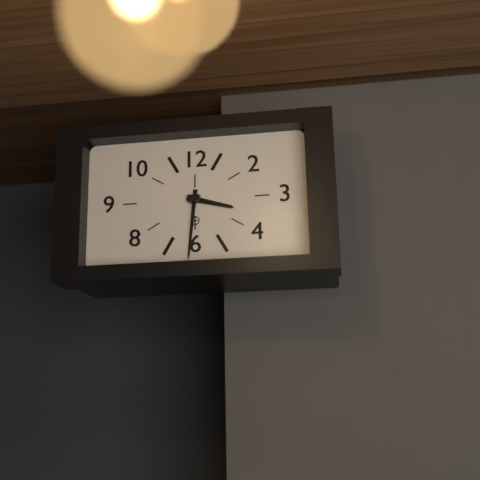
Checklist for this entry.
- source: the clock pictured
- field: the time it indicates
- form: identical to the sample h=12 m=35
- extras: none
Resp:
h=3 m=31
